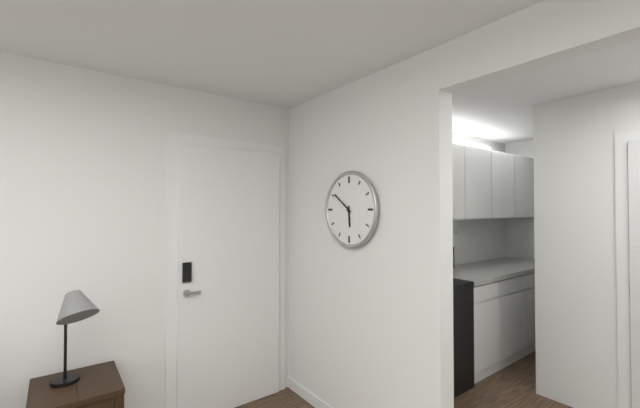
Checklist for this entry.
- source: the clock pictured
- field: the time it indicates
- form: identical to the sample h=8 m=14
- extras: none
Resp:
h=5 m=51
